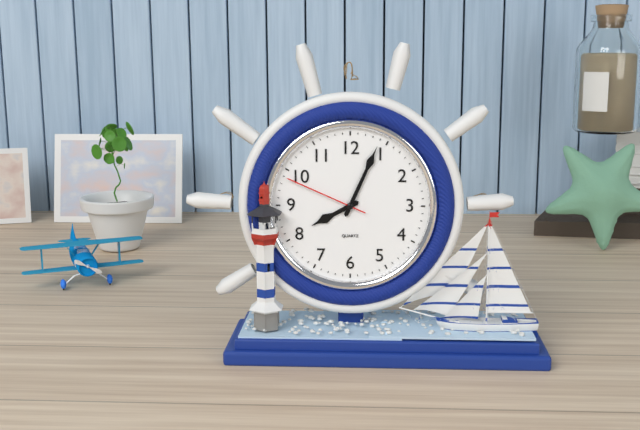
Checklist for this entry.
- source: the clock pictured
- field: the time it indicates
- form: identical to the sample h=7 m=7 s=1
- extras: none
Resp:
h=8 m=4 s=49
